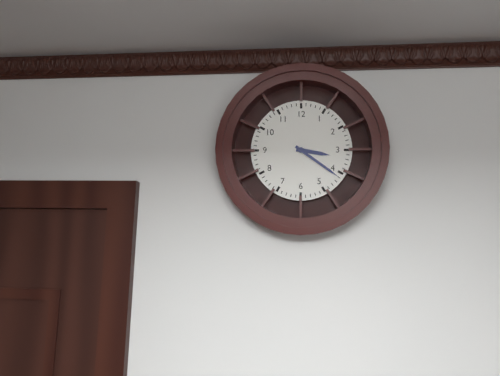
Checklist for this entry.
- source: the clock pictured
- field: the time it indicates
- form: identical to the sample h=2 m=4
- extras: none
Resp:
h=3 m=21
